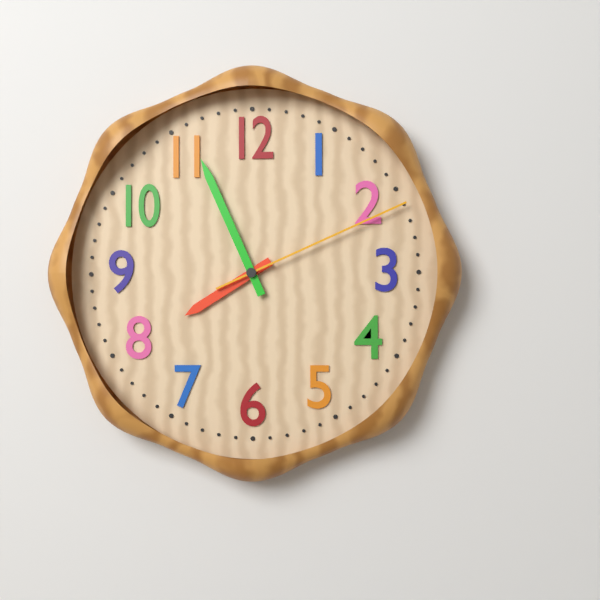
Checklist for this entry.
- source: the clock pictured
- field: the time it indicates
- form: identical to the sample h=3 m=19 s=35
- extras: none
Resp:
h=7 m=56 s=11
